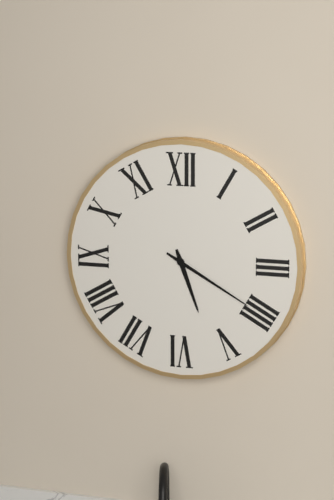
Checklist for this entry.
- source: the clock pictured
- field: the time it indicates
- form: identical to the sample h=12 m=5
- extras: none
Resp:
h=5 m=20
